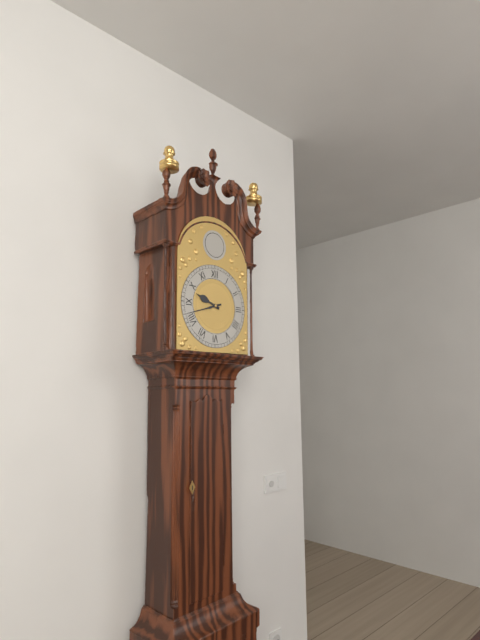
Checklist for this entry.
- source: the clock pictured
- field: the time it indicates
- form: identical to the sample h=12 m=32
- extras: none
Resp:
h=9 m=42
